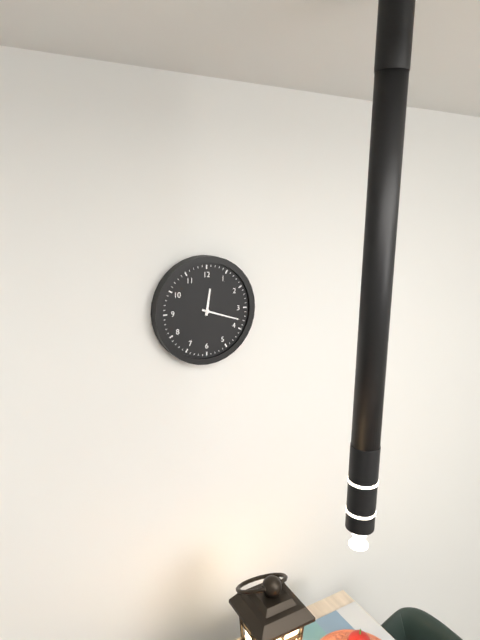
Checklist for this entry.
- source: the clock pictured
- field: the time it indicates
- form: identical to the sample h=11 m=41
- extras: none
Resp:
h=12 m=18
